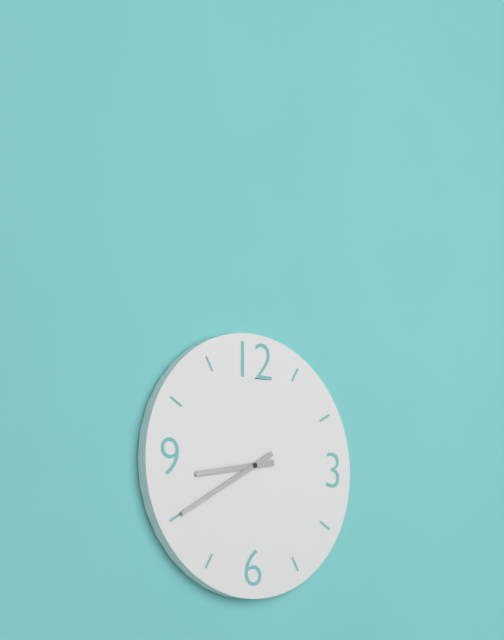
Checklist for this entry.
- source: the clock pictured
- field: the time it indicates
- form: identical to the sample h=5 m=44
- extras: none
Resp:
h=8 m=40
